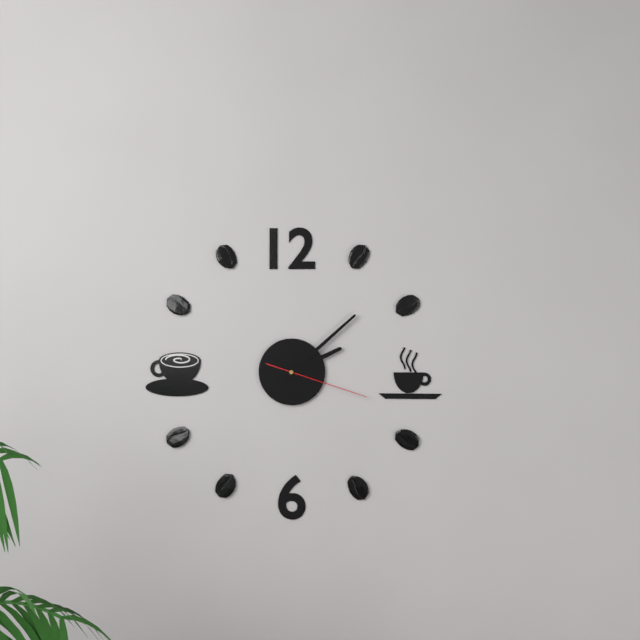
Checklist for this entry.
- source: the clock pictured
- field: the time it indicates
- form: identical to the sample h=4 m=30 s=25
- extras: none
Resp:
h=2 m=8 s=18
